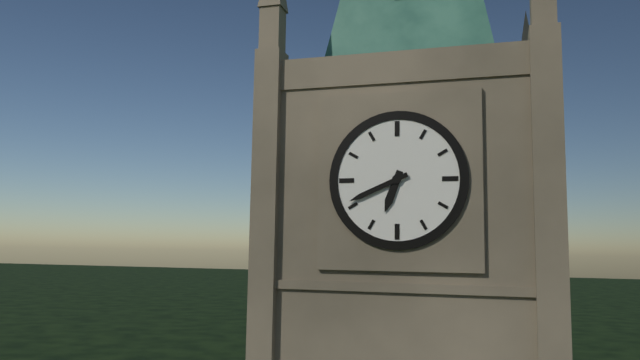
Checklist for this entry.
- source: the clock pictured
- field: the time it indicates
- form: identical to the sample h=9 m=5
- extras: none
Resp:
h=6 m=41
